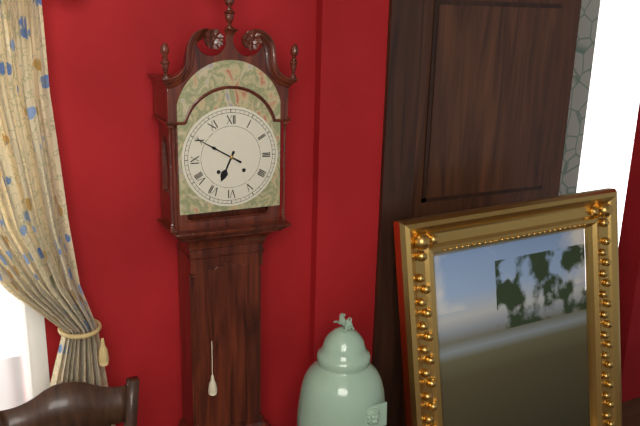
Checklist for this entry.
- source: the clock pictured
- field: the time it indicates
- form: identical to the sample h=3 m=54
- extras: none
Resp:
h=6 m=50
